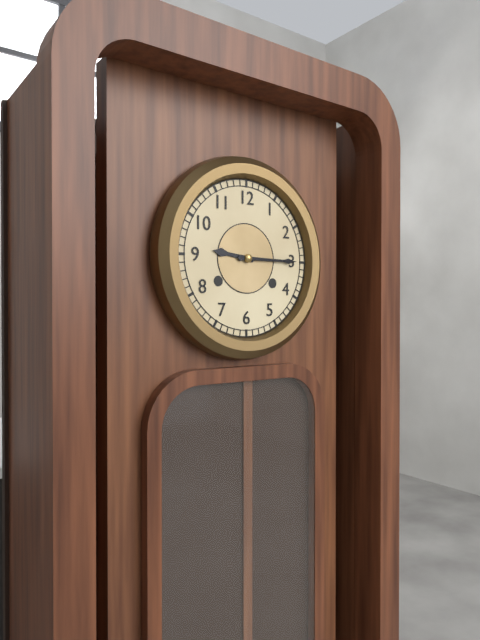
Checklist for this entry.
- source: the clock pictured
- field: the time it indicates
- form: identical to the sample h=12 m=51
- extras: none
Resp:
h=9 m=15
